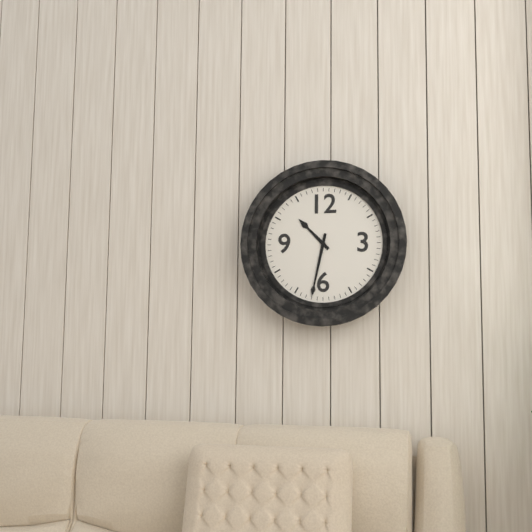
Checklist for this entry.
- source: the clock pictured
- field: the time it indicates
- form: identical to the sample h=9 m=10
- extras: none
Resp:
h=10 m=32
